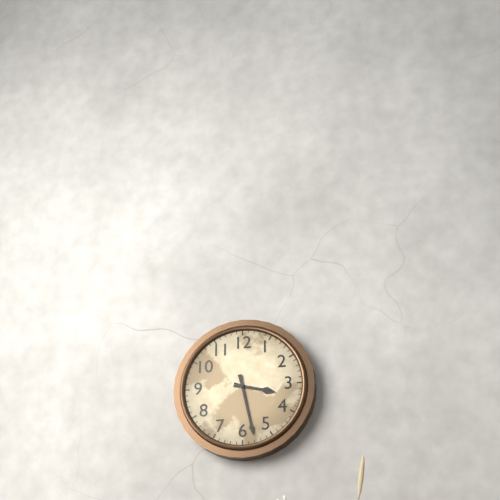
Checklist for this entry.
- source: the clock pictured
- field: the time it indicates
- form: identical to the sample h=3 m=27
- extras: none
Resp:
h=3 m=28
